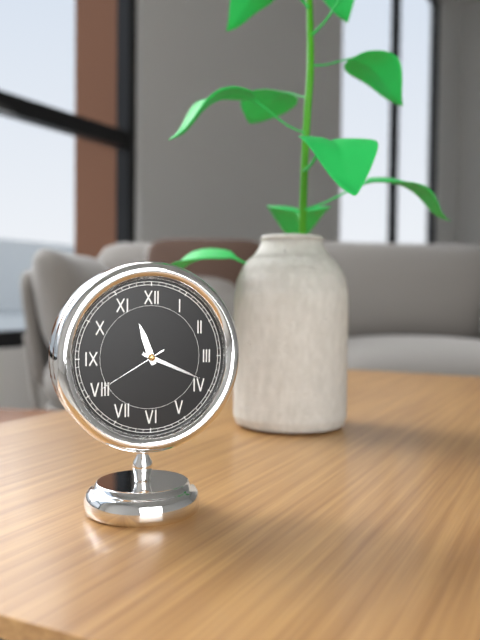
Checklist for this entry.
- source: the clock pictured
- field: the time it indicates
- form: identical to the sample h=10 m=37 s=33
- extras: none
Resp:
h=11 m=19 s=40
